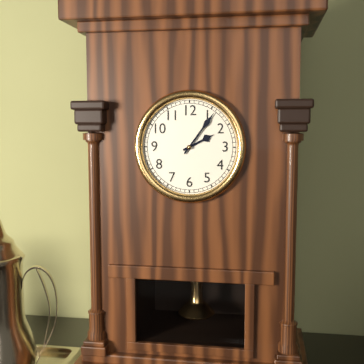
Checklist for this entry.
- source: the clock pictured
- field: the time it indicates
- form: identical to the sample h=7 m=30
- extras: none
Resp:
h=2 m=6
